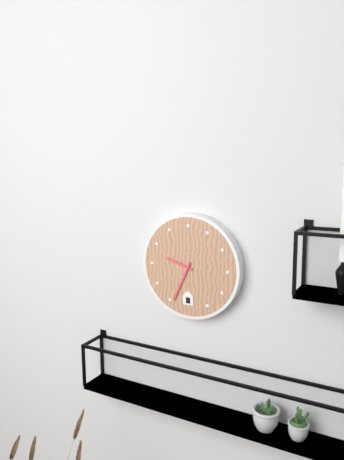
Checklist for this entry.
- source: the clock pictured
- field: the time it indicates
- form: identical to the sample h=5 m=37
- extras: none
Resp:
h=9 m=34
